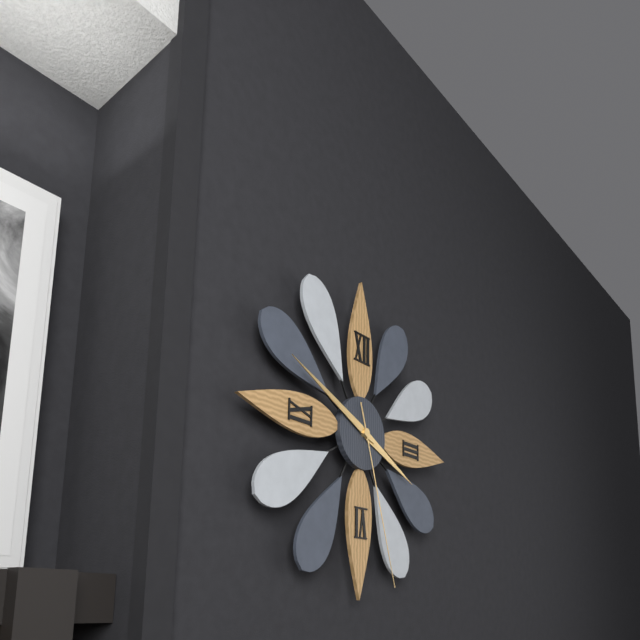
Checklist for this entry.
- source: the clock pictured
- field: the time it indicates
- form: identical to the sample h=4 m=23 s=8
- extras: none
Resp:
h=3 m=49 s=27
